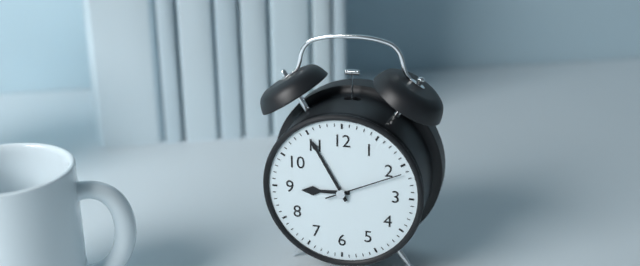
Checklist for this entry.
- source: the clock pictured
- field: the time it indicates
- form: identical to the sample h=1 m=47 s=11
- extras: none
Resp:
h=8 m=55 s=11
